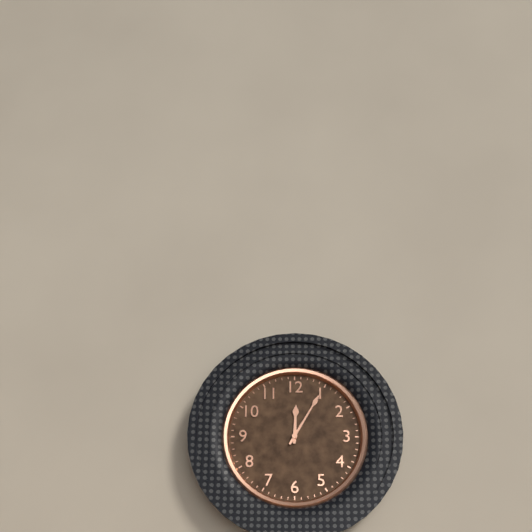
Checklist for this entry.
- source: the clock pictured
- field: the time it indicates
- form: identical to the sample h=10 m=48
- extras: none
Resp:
h=12 m=5
